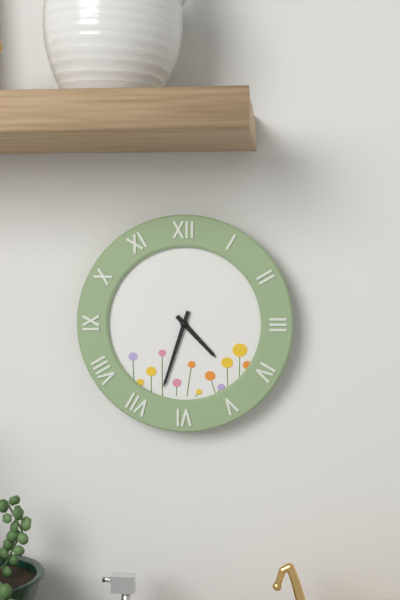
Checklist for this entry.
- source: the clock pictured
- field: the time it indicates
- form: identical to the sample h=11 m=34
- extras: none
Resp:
h=4 m=33
